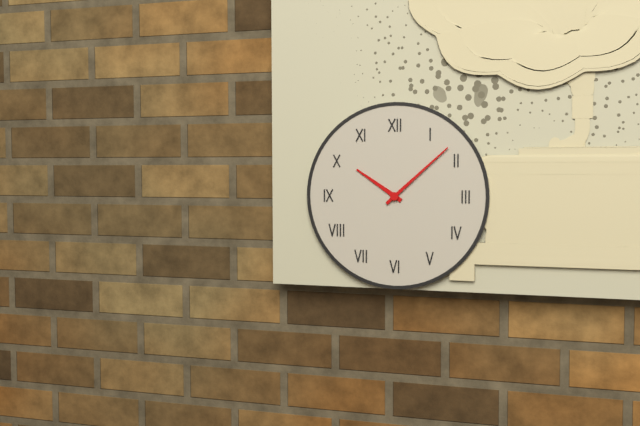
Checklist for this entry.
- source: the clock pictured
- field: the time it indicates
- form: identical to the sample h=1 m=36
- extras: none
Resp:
h=10 m=8
